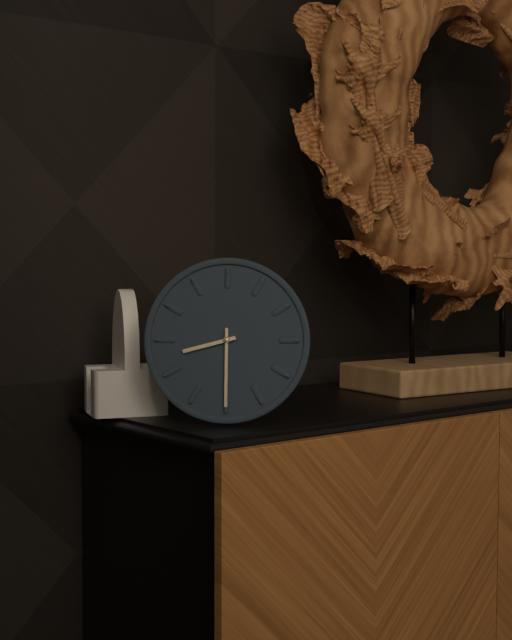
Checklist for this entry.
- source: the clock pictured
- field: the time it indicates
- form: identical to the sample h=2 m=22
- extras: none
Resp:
h=8 m=30
